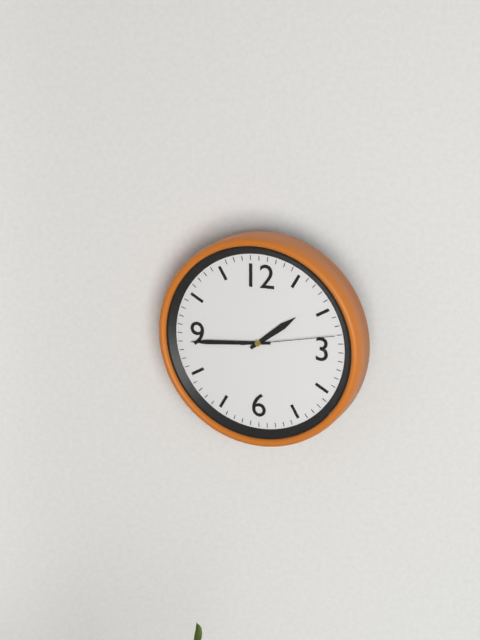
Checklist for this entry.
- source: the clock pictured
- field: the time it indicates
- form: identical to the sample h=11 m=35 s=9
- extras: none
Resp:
h=1 m=44 s=13
